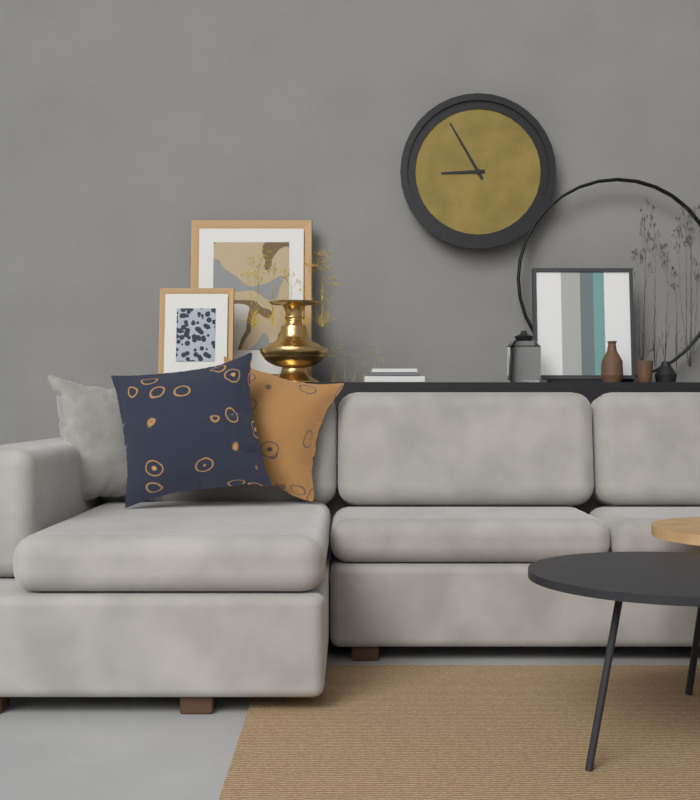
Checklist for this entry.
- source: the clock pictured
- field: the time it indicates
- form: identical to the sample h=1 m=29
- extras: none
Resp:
h=8 m=55
